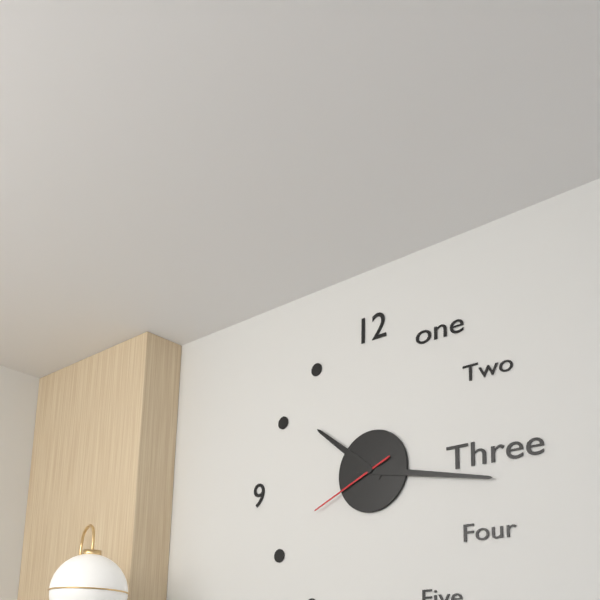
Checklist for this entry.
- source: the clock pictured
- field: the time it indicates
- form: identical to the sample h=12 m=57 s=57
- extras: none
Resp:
h=10 m=17 s=41
